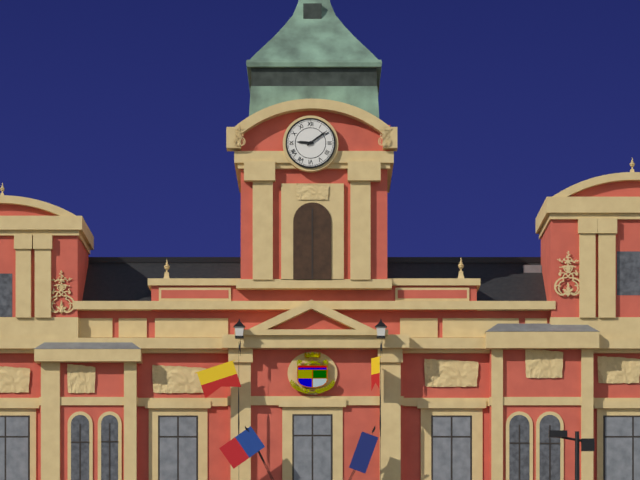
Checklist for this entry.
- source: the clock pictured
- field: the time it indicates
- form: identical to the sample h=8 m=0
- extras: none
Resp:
h=9 m=9
